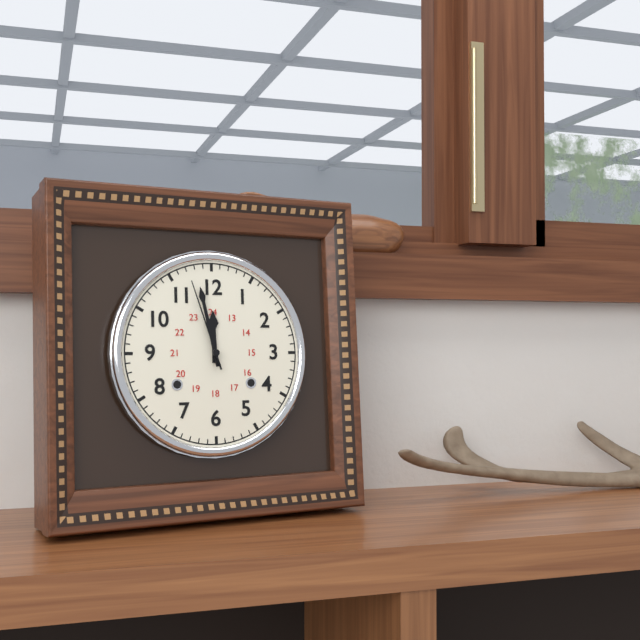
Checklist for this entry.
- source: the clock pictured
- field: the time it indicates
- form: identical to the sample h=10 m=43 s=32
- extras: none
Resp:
h=11 m=58 s=57
